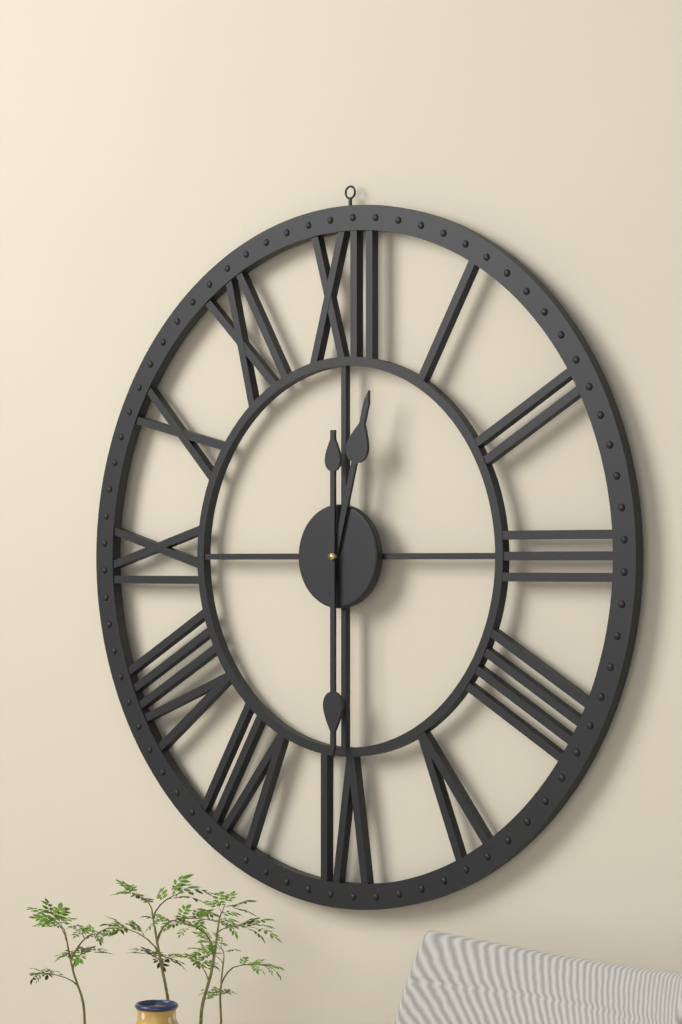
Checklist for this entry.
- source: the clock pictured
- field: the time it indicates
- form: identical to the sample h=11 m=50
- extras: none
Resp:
h=12 m=30
